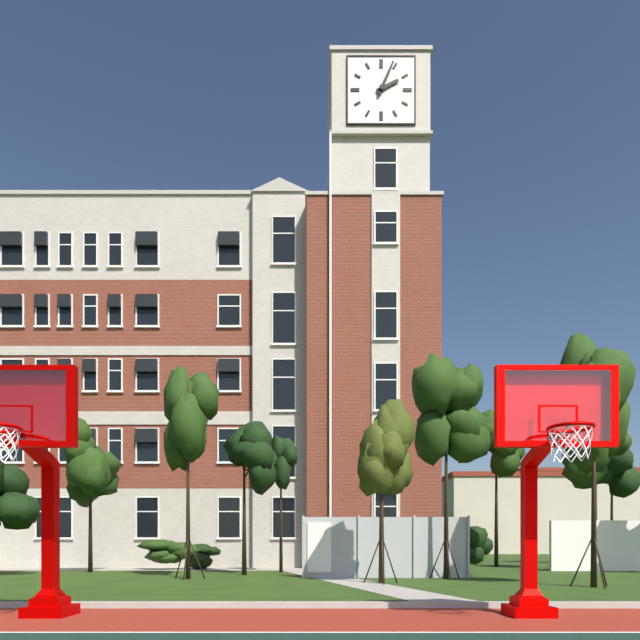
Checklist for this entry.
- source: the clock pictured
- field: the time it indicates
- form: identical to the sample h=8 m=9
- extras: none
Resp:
h=2 m=4
